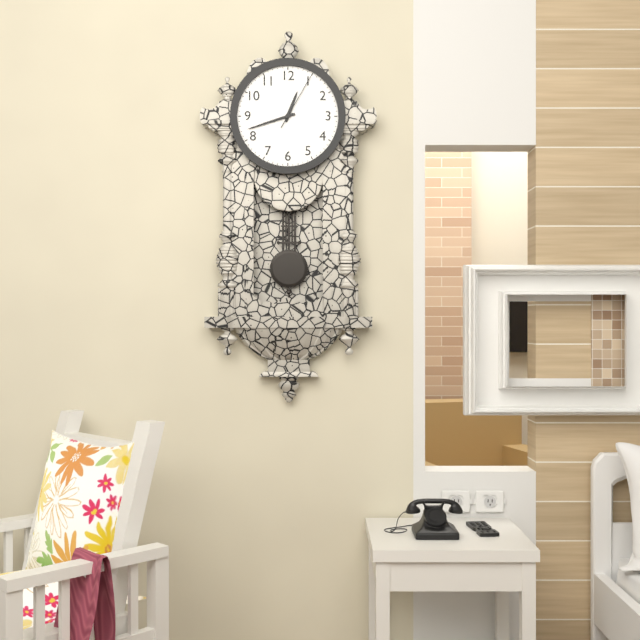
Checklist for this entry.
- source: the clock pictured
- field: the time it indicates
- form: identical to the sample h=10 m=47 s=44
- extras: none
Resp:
h=12 m=42 s=5
